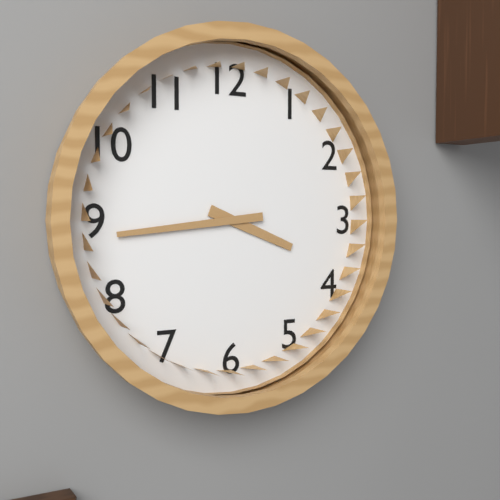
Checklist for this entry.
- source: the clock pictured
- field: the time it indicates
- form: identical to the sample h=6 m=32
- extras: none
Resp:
h=3 m=44
